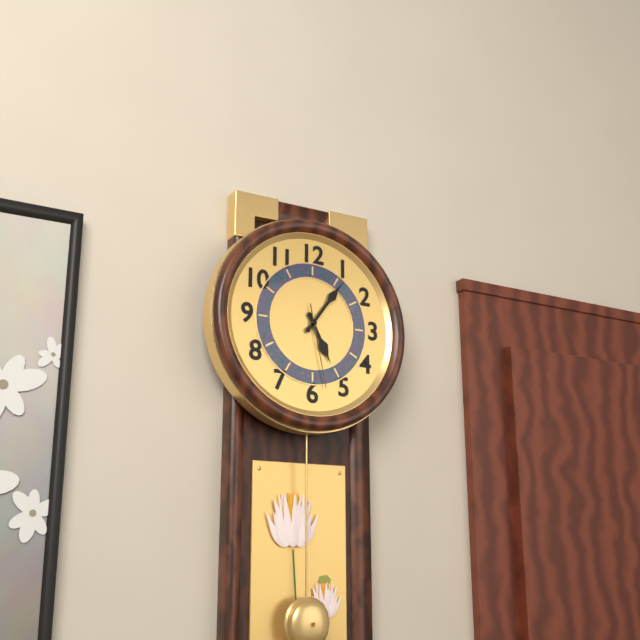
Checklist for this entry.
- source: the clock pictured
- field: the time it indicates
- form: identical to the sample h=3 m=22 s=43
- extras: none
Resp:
h=5 m=6 s=28
